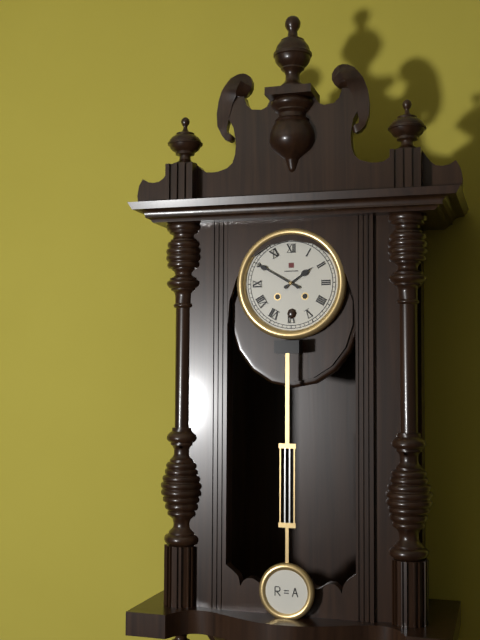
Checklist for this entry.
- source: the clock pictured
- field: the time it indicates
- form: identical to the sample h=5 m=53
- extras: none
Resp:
h=1 m=50
